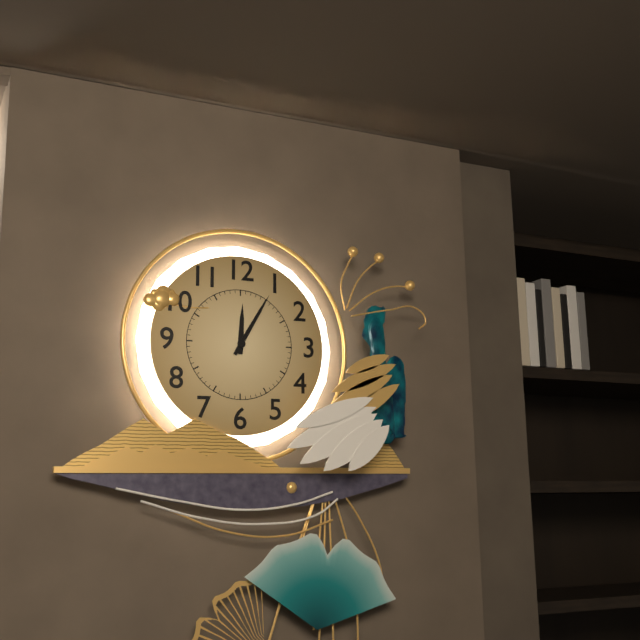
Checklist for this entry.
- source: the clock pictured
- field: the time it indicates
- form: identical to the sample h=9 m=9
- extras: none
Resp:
h=12 m=5
